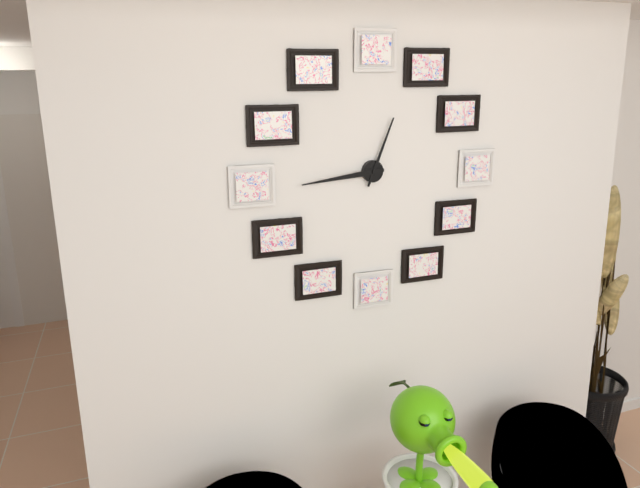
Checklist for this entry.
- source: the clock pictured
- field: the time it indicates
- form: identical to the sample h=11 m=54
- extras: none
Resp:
h=12 m=44
